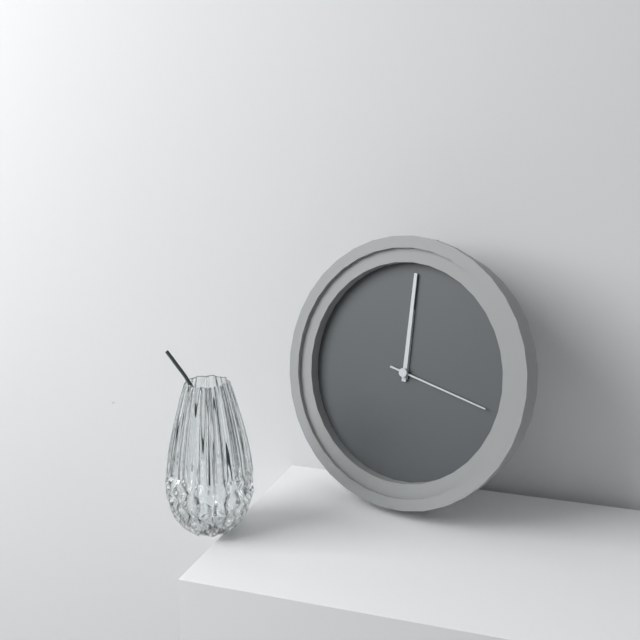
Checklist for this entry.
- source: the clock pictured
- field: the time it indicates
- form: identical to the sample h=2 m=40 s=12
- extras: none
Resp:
h=12 m=0 s=17
